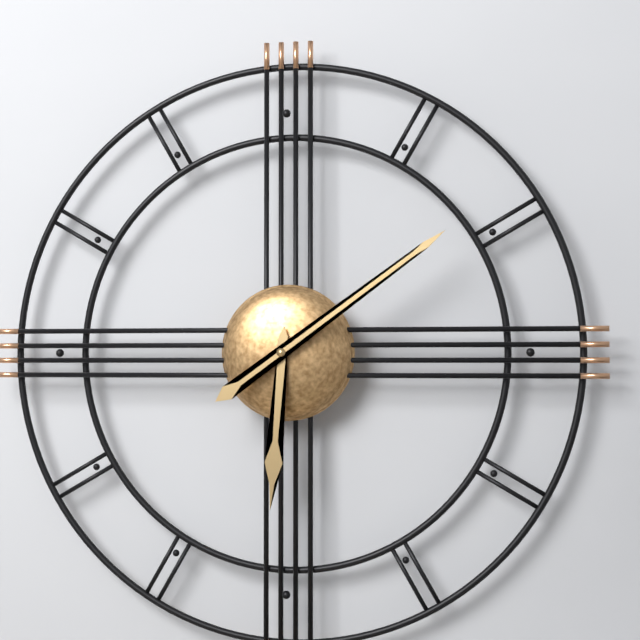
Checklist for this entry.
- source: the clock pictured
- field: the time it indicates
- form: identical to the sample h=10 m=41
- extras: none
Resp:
h=6 m=9
